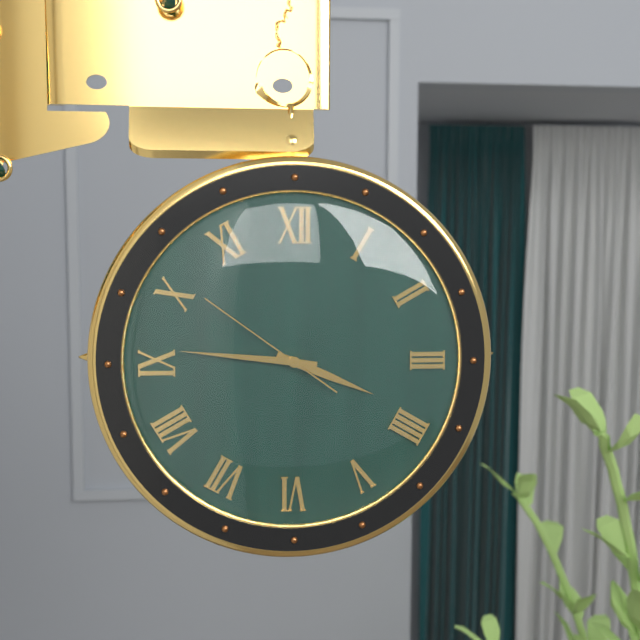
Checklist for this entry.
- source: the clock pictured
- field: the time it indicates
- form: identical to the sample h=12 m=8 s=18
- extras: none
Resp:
h=3 m=46 s=51
